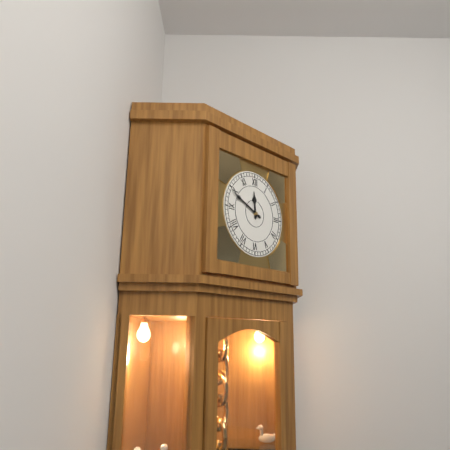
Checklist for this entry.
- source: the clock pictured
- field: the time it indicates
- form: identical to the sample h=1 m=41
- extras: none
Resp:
h=11 m=49
